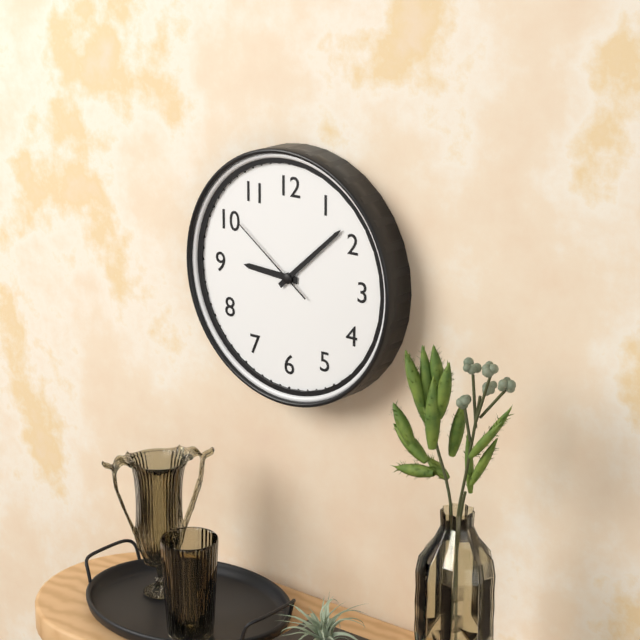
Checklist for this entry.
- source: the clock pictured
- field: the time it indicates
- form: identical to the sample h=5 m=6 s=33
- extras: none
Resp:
h=9 m=8 s=51
